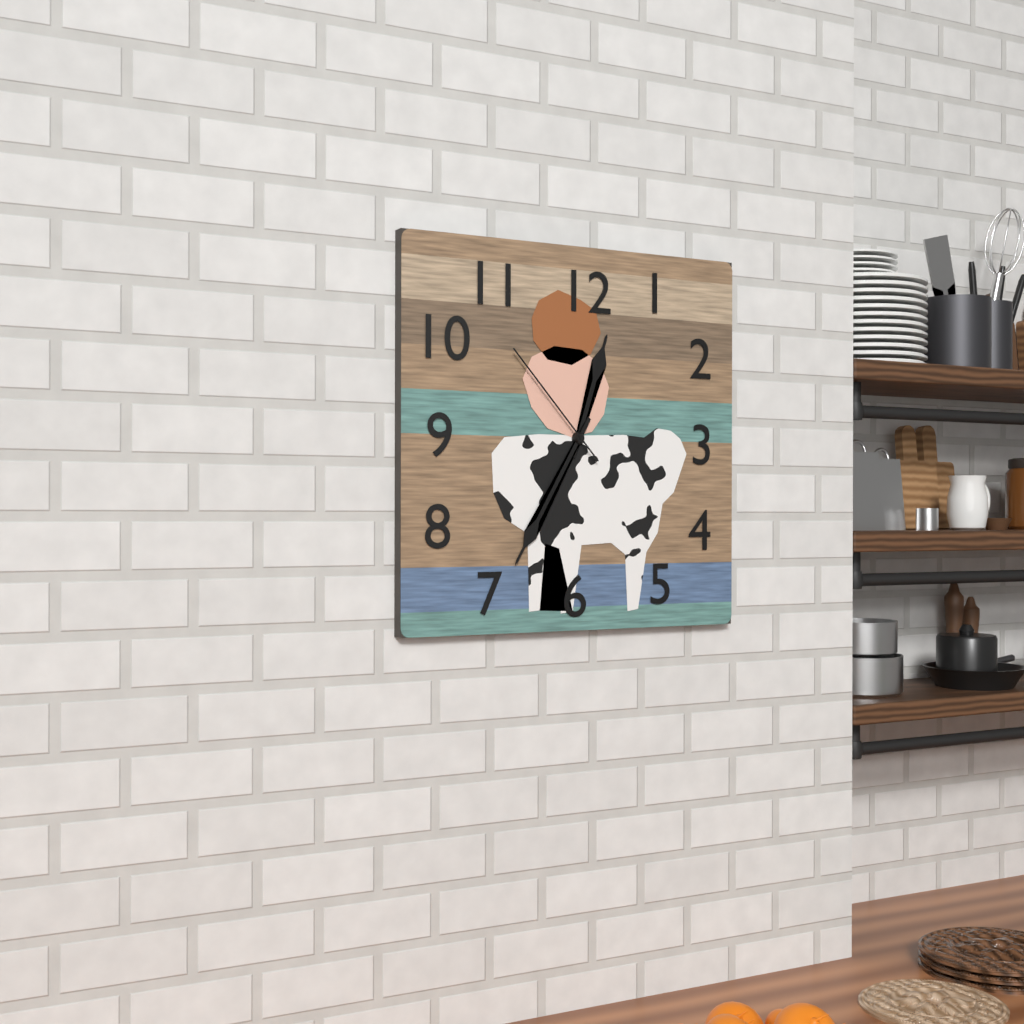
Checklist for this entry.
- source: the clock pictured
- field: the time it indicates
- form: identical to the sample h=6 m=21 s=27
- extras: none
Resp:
h=12 m=35 s=53
